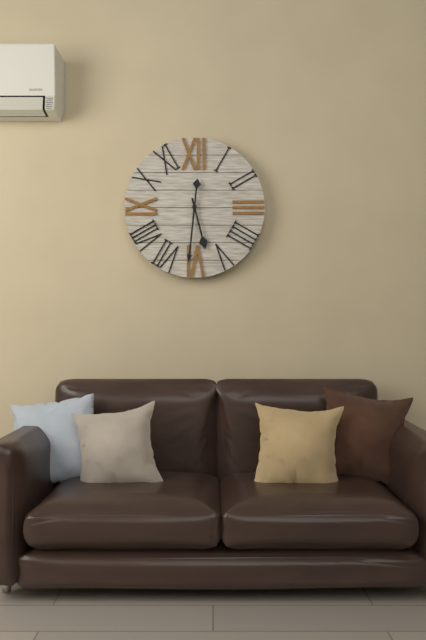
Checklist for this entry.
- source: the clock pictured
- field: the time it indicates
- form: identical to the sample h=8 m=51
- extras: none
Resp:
h=5 m=31
